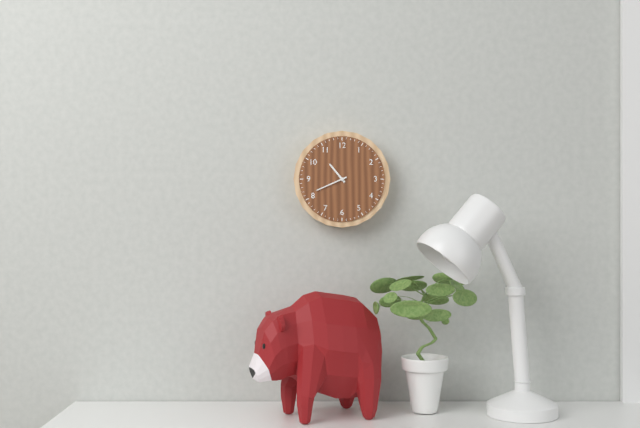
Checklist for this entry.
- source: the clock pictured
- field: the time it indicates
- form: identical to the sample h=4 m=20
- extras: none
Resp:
h=10 m=41
